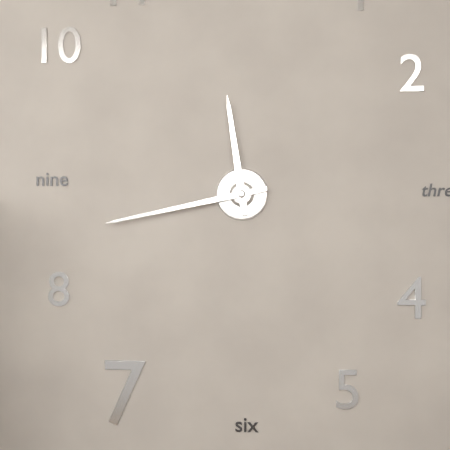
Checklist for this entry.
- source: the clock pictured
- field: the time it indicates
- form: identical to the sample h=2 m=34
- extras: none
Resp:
h=11 m=43
